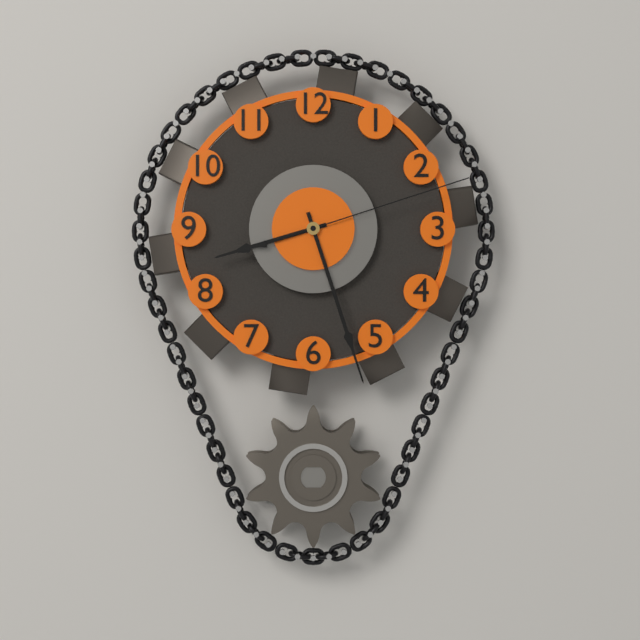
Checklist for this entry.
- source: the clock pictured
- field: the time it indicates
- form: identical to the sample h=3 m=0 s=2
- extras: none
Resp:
h=8 m=27 s=12
